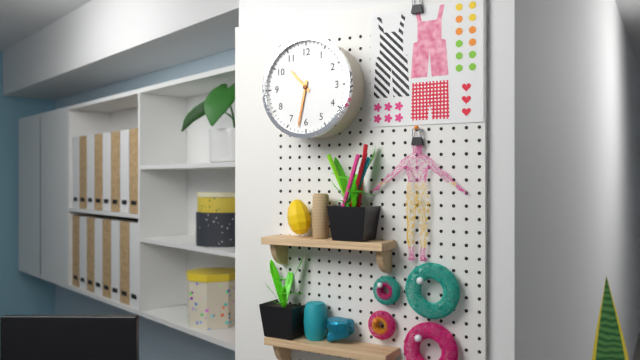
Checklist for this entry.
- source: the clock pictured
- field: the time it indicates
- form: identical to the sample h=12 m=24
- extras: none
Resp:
h=10 m=32
